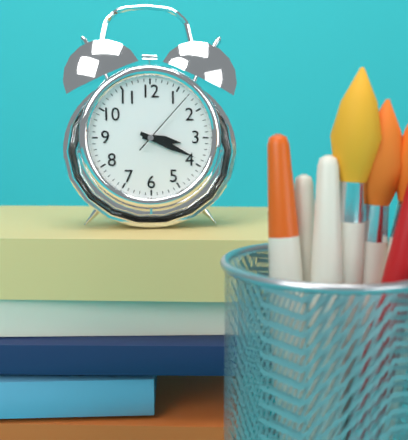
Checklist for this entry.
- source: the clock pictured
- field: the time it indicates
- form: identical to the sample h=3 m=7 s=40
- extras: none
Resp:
h=3 m=19 s=7
